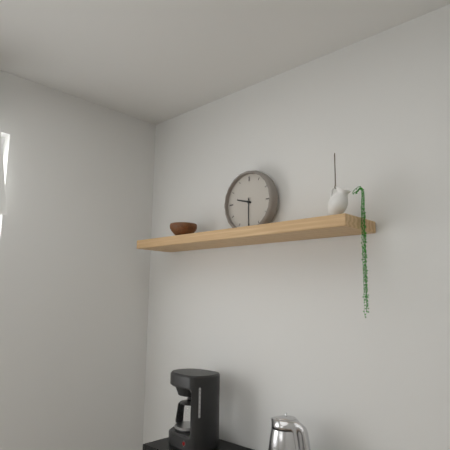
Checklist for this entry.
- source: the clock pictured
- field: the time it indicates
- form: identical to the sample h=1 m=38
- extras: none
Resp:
h=9 m=30
